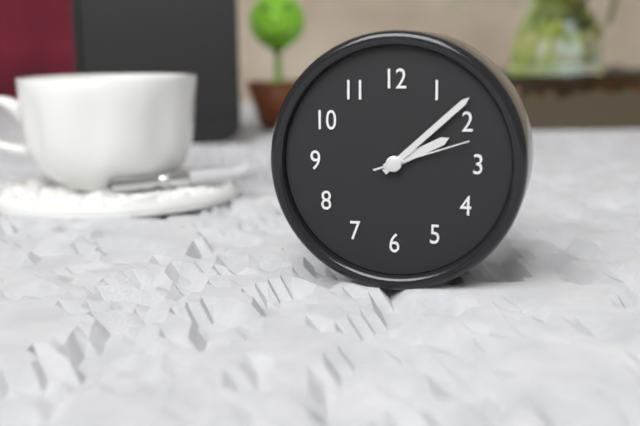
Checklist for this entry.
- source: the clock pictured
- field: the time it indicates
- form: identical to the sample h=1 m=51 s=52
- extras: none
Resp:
h=2 m=8 s=12
